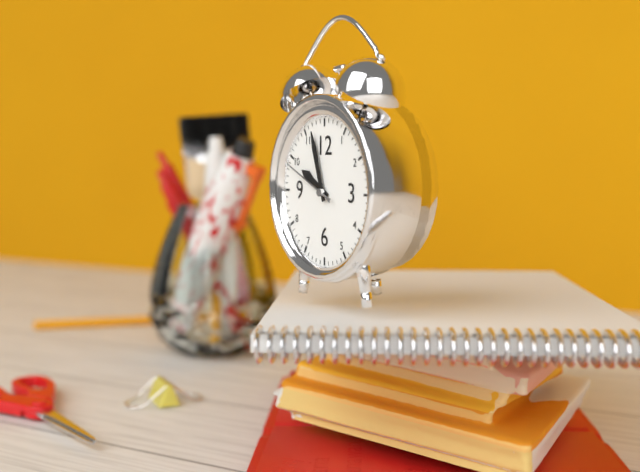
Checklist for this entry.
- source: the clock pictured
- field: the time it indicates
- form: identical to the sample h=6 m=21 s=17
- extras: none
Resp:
h=9 m=57 s=49
